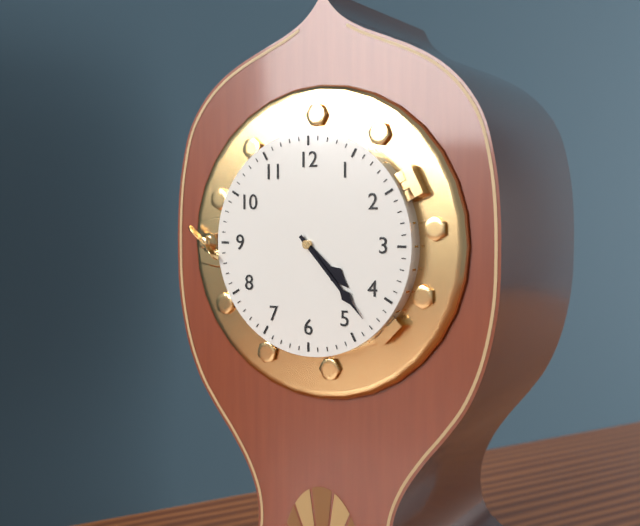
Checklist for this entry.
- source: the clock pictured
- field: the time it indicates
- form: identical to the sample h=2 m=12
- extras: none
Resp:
h=4 m=23
